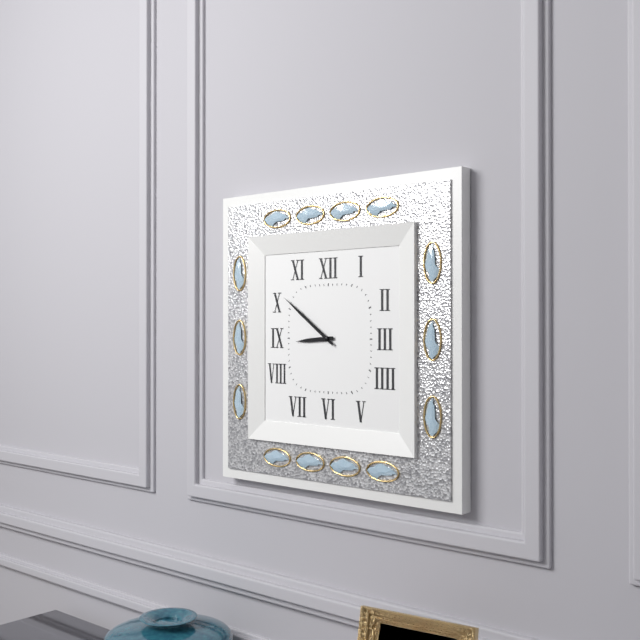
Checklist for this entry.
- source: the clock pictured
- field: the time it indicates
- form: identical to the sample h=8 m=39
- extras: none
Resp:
h=8 m=51
